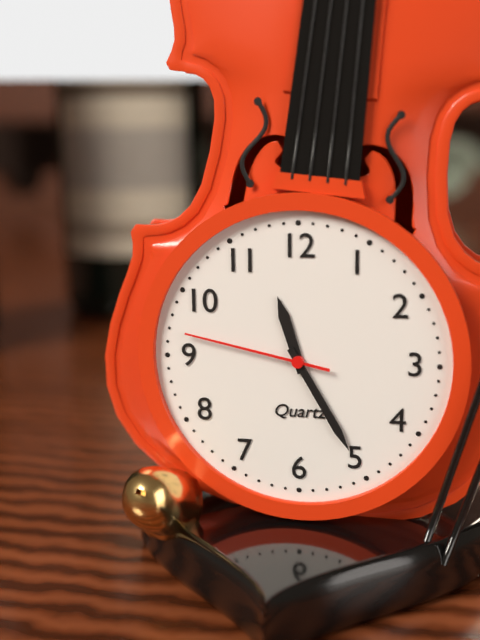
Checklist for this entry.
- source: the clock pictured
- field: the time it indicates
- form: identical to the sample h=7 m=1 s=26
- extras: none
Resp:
h=11 m=25 s=47
